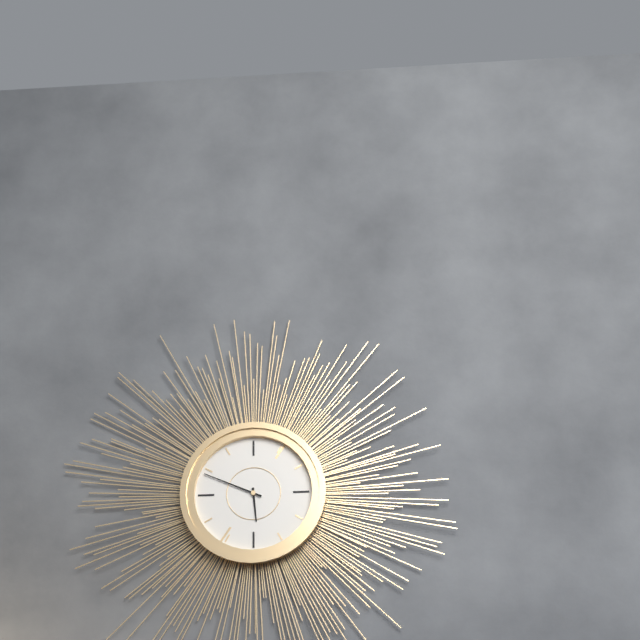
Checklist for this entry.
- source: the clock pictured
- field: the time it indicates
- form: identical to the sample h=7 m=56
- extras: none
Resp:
h=5 m=49
